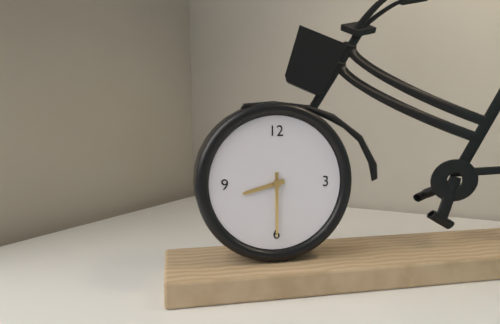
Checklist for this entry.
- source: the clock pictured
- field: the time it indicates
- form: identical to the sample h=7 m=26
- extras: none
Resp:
h=8 m=30
